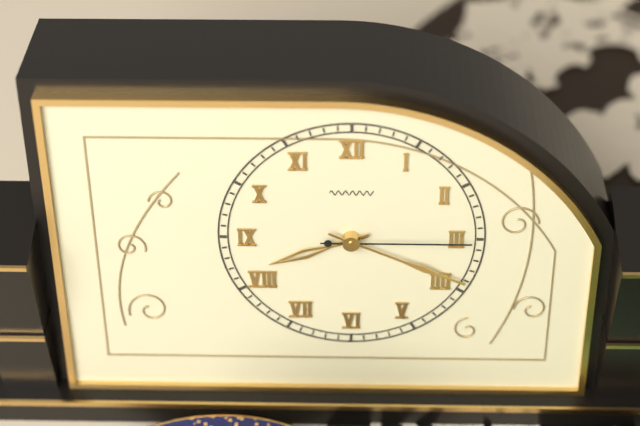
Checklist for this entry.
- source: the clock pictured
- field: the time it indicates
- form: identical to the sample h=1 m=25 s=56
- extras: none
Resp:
h=8 m=19 s=15
